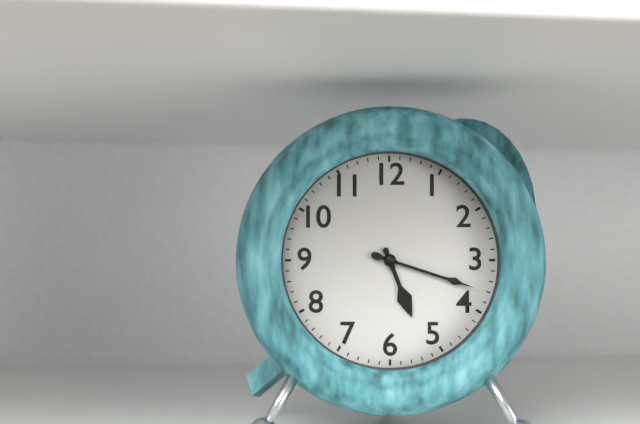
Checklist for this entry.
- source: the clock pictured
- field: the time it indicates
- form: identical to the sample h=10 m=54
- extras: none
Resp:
h=5 m=18
